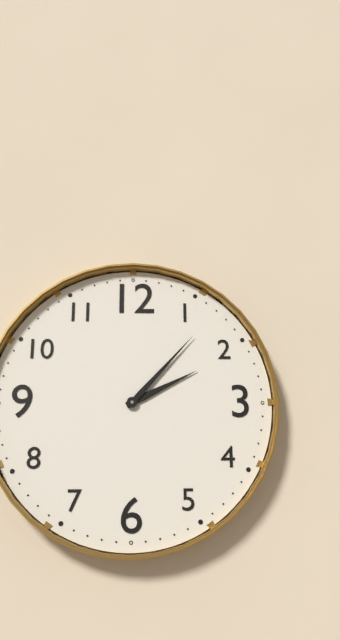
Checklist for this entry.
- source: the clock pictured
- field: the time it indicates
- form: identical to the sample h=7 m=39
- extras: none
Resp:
h=2 m=7
